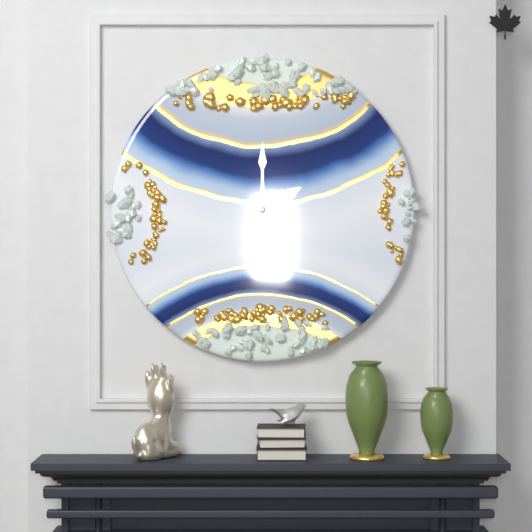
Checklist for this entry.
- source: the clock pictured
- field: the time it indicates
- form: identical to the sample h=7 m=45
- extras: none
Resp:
h=2 m=0
